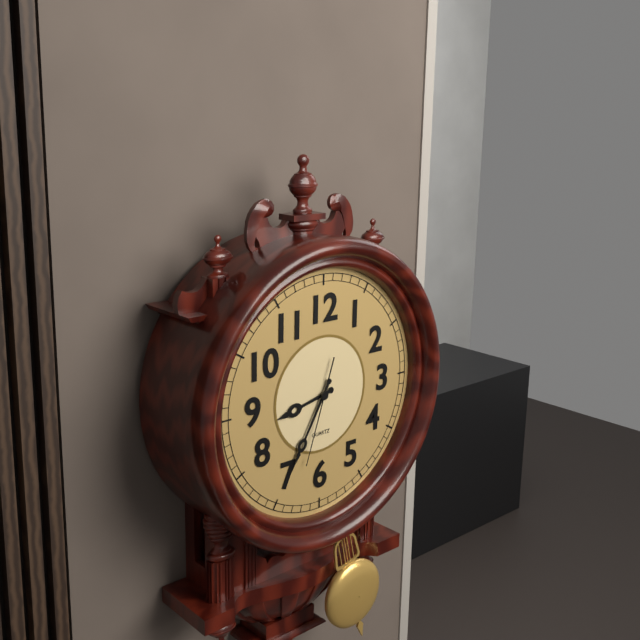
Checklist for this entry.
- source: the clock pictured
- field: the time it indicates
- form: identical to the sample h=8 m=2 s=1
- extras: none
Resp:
h=8 m=35 s=33
